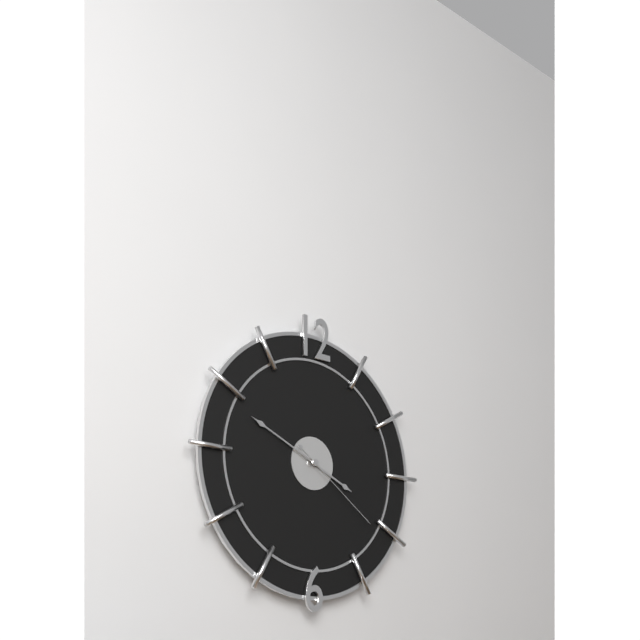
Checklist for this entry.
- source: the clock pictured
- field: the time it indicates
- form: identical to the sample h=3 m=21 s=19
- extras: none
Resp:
h=3 m=49 s=21
